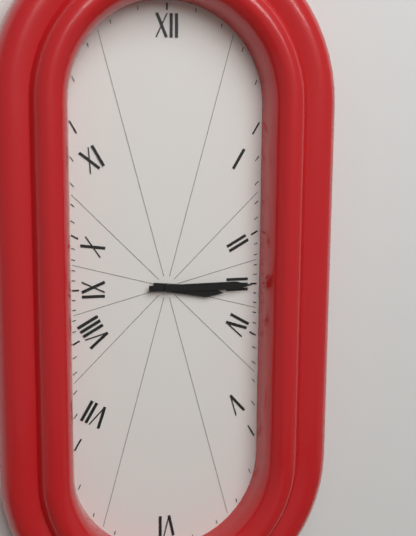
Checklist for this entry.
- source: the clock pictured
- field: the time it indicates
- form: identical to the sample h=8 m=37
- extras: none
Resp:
h=3 m=15
